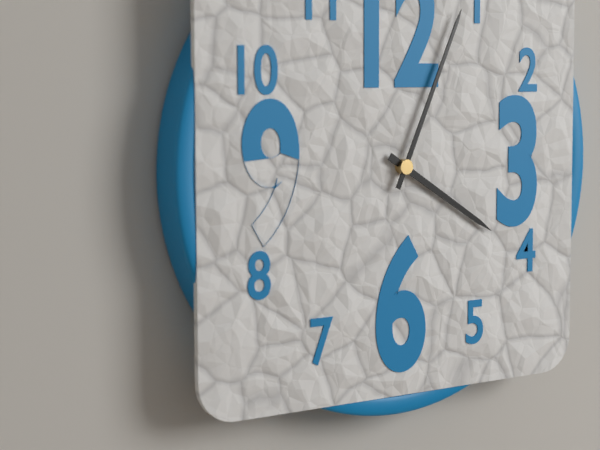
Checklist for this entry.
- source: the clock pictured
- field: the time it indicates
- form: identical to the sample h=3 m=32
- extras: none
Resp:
h=4 m=4
